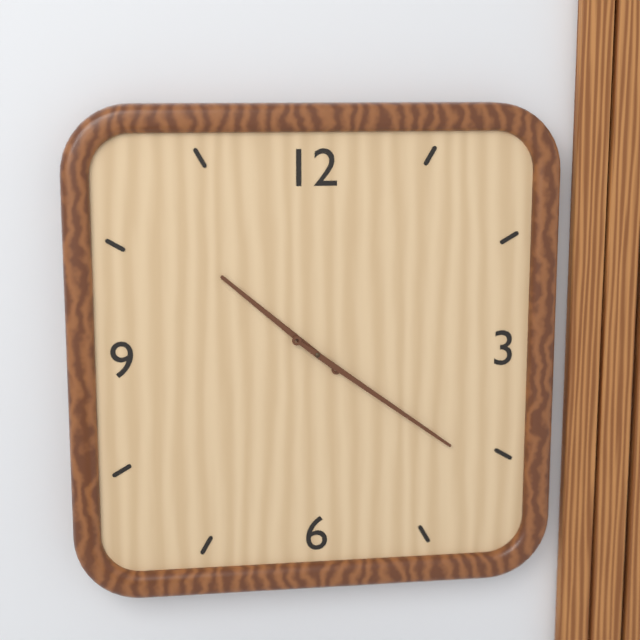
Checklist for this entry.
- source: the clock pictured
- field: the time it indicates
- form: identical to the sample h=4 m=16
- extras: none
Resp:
h=10 m=21
